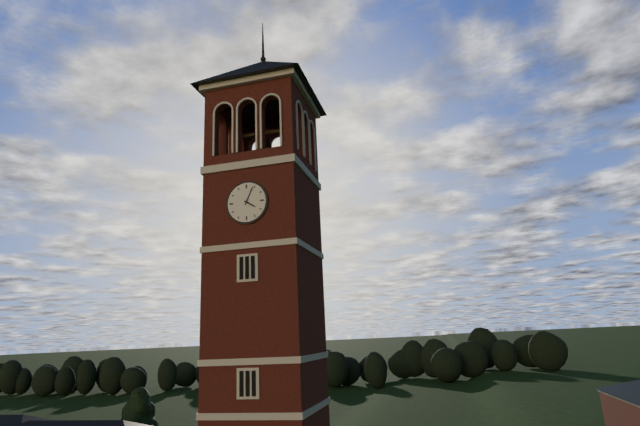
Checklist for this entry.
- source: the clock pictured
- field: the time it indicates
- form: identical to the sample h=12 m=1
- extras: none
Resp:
h=4 m=4
